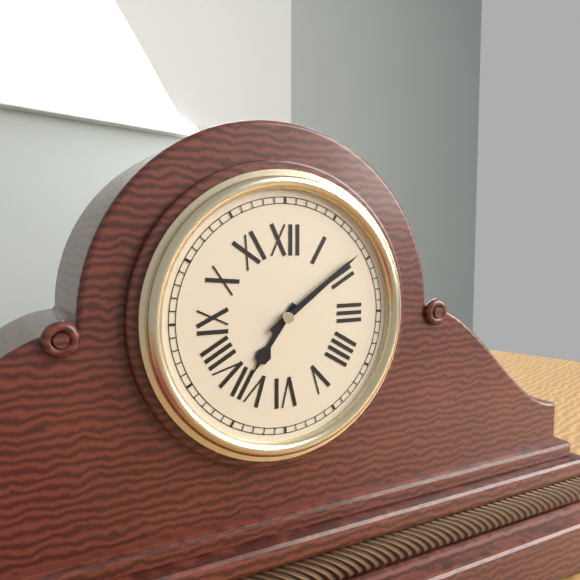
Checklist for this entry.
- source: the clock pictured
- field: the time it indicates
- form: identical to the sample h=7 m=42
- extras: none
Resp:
h=7 m=9
